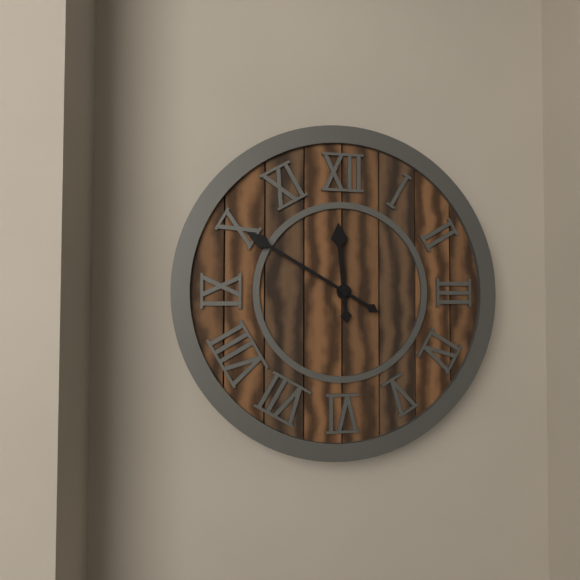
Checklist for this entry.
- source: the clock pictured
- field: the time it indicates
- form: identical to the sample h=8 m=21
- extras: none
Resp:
h=11 m=50
